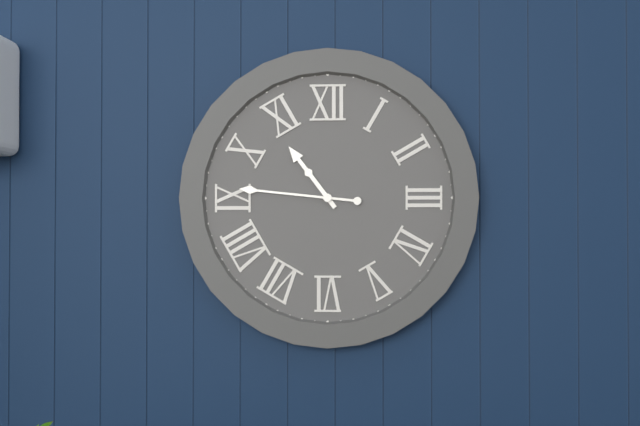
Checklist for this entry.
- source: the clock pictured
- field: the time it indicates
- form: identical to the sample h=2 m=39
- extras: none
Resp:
h=10 m=46
